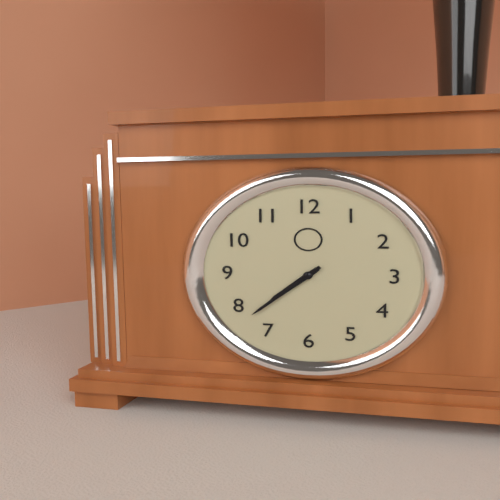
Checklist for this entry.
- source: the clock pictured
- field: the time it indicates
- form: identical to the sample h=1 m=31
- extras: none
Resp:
h=7 m=38
